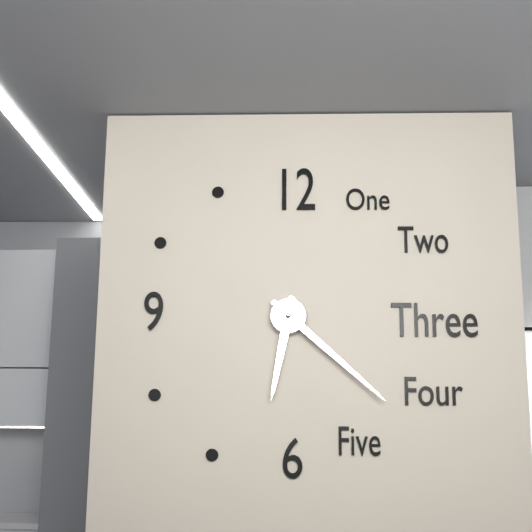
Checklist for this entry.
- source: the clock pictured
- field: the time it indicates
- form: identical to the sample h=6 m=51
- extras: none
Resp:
h=6 m=22
